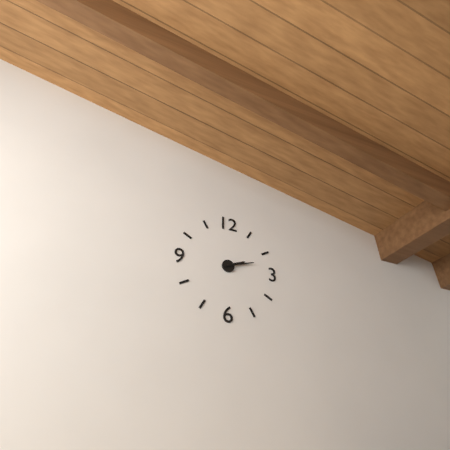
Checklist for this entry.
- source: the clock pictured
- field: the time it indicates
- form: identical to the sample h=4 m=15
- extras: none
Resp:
h=2 m=12
